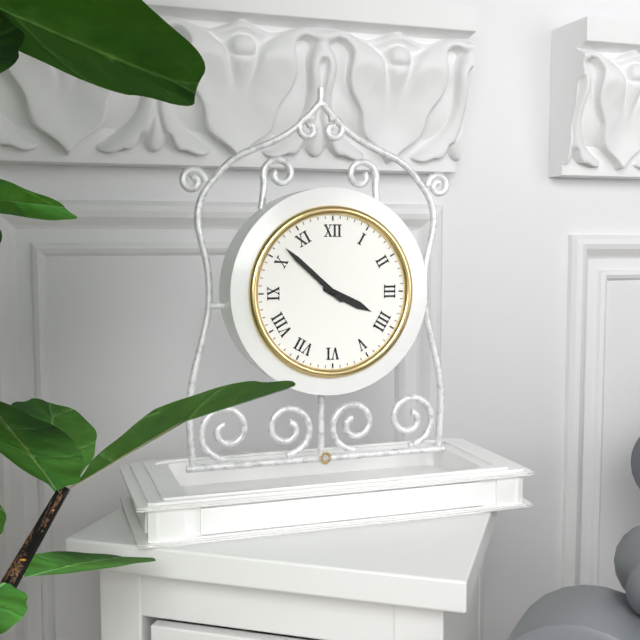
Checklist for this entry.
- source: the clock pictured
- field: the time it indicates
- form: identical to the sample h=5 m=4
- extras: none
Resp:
h=3 m=52
